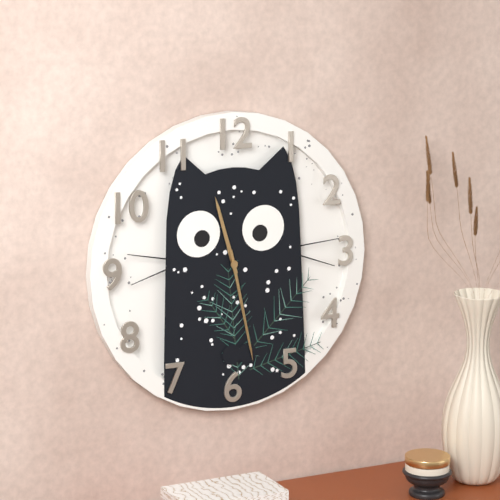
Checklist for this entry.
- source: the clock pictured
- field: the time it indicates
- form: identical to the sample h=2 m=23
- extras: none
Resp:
h=11 m=28
